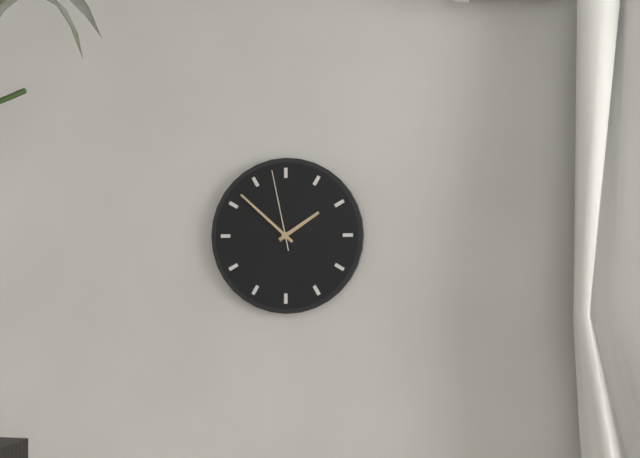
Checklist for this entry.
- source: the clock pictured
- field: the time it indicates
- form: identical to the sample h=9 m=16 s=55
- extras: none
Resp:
h=1 m=52 s=58
